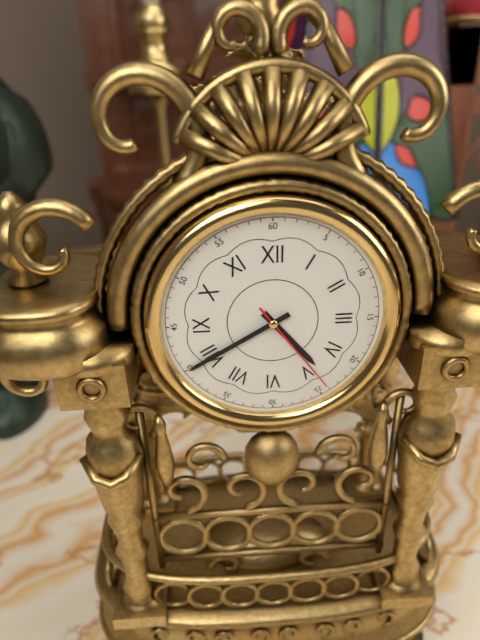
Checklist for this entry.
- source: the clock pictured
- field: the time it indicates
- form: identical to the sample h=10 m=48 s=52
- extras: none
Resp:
h=4 m=40 s=24
